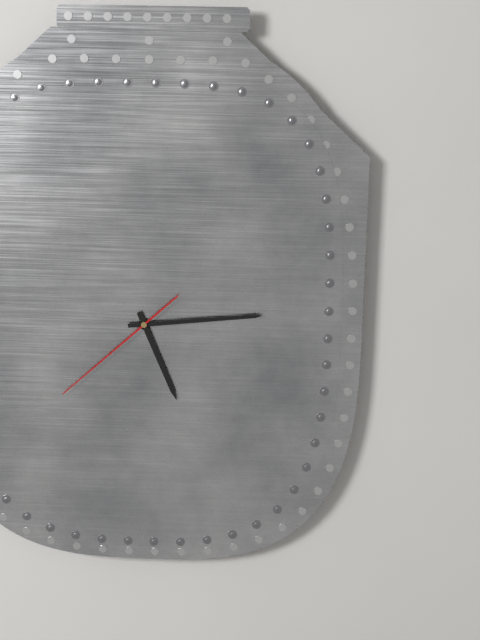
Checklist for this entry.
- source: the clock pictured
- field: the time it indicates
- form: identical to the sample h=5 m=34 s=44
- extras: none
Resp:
h=5 m=14 s=38
